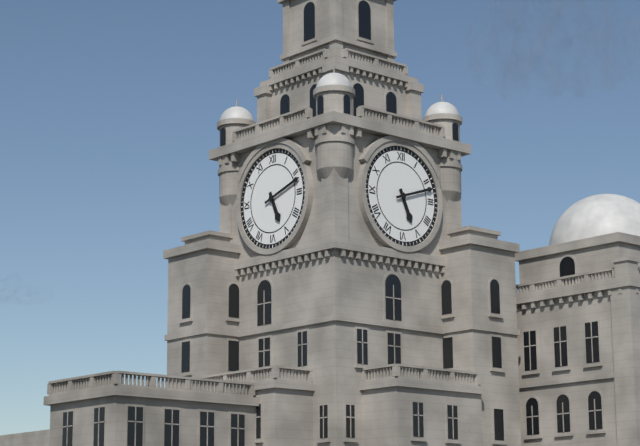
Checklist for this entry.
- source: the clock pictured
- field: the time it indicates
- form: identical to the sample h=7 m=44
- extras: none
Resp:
h=5 m=12
